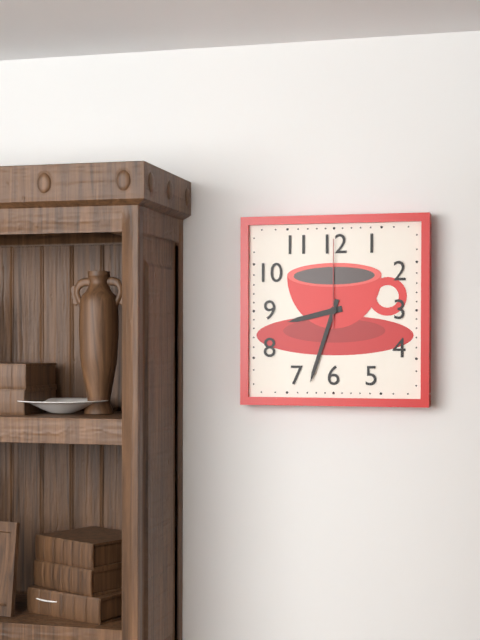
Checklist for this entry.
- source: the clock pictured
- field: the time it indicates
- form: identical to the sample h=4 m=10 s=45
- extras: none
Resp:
h=8 m=33 s=0
